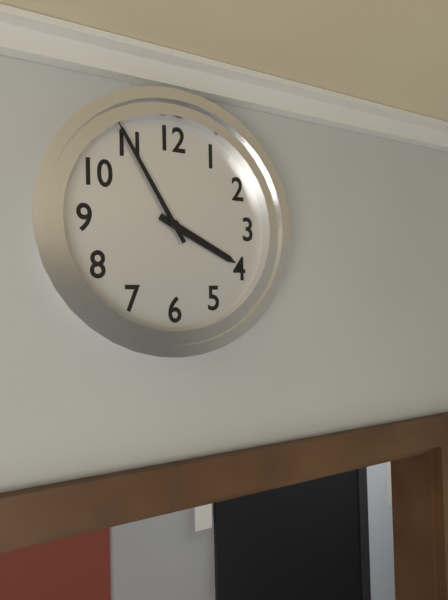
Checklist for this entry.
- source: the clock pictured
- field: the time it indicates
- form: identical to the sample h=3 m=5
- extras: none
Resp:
h=3 m=55
